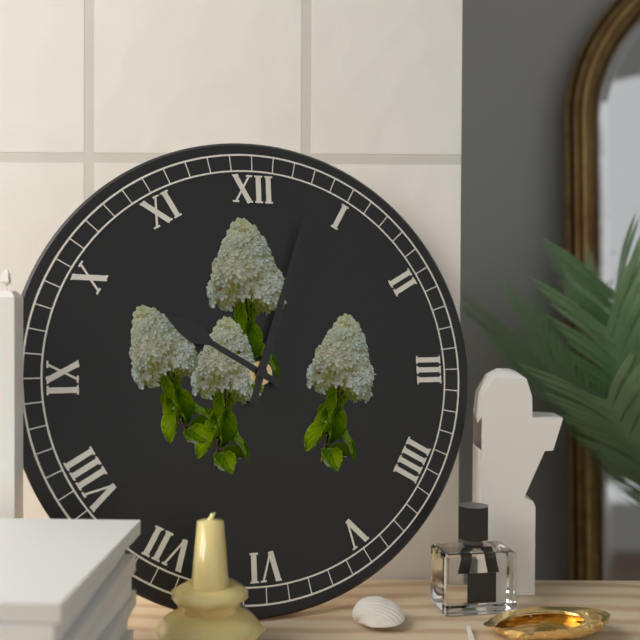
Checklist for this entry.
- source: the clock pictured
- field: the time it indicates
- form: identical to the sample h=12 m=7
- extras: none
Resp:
h=10 m=3
